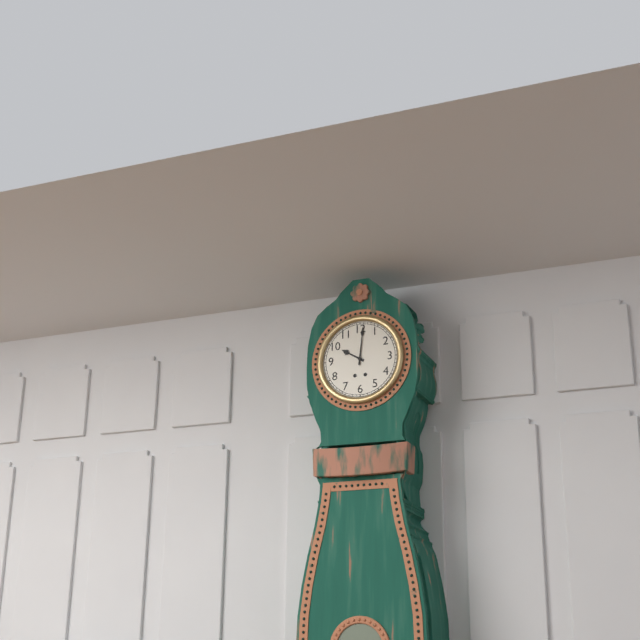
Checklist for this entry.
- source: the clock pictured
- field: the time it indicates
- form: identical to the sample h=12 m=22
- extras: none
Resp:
h=10 m=1
